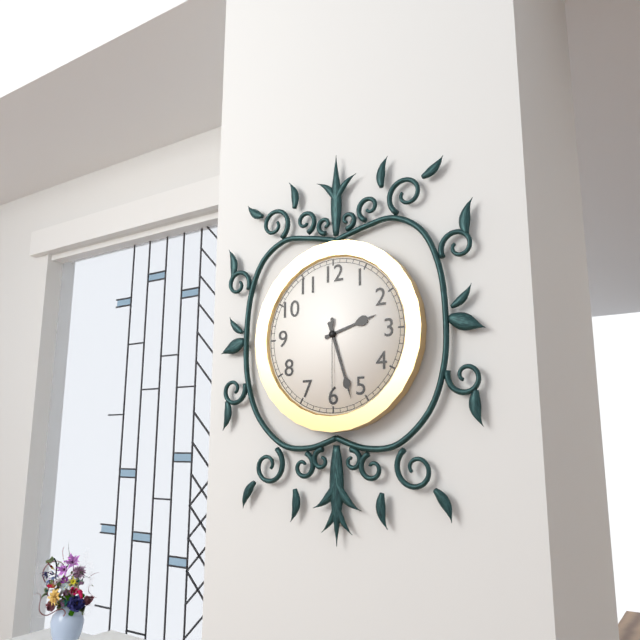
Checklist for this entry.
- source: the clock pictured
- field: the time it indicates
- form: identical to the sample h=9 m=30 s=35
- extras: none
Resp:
h=2 m=27 s=30
